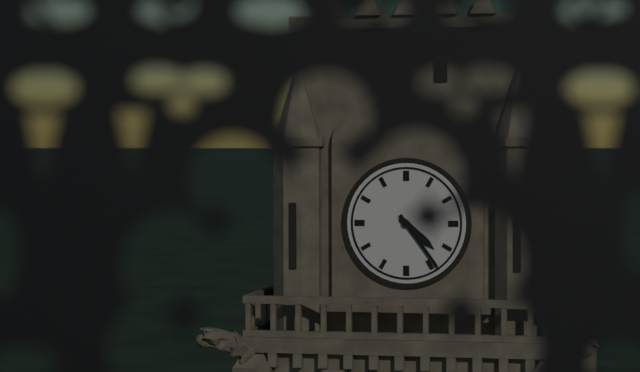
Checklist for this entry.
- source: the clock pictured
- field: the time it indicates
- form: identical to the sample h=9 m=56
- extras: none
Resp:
h=4 m=24
